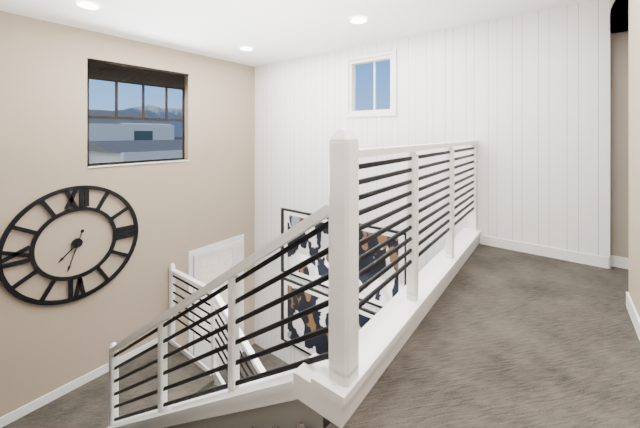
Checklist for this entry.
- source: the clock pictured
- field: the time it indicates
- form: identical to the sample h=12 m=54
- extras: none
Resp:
h=7 m=33
